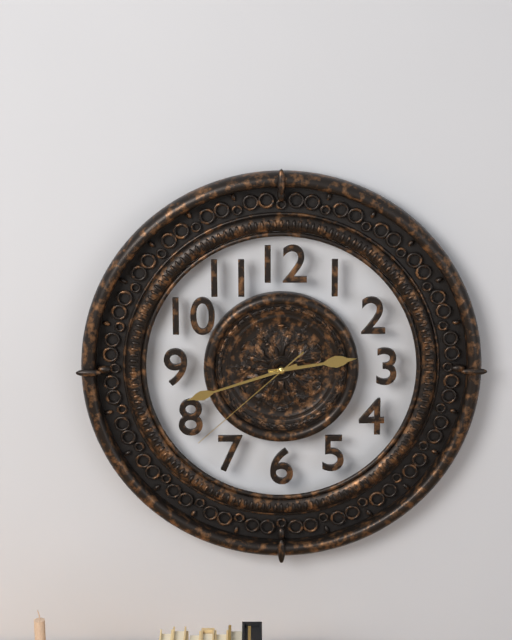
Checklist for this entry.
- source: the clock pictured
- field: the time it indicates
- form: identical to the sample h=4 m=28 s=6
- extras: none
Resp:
h=2 m=42 s=38
